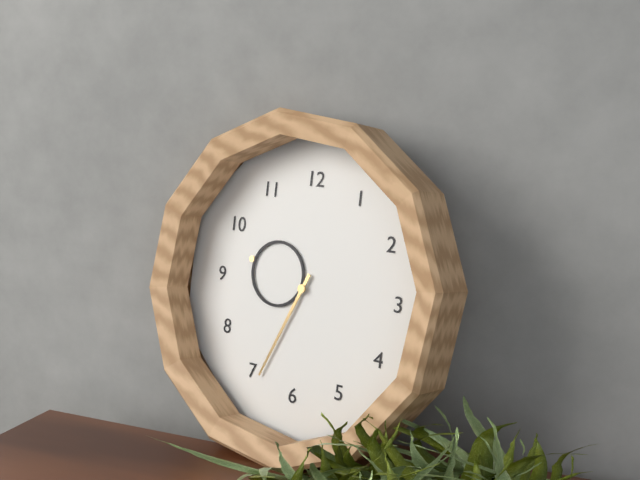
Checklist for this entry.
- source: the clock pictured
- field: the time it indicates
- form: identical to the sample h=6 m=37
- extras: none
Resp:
h=9 m=34
